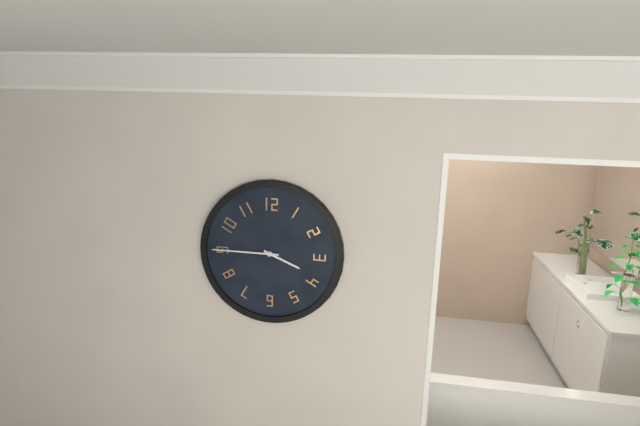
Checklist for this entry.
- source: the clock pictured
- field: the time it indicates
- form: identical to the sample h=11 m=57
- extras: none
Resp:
h=3 m=45
